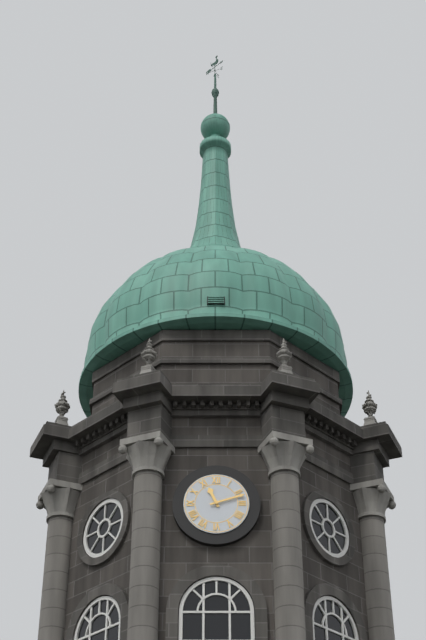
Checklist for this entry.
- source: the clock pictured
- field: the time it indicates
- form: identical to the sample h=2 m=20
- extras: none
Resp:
h=11 m=12
